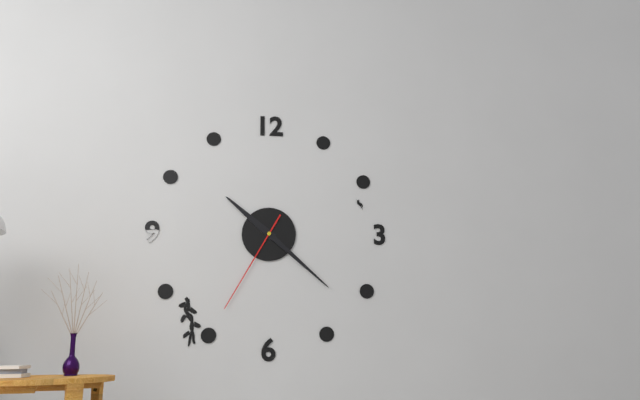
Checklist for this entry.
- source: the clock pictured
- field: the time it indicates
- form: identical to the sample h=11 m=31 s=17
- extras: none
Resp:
h=10 m=22 s=35
